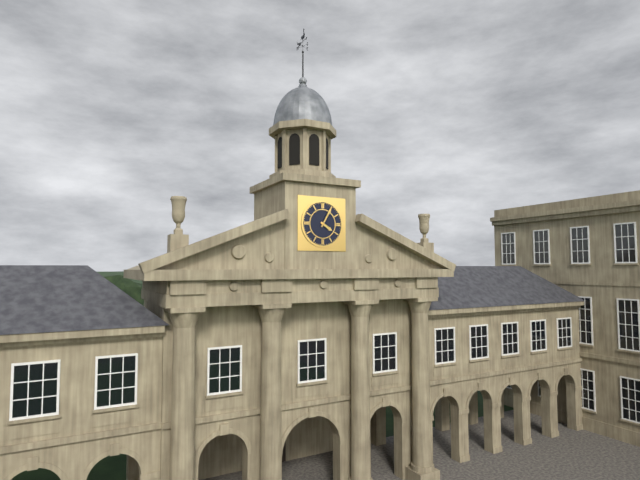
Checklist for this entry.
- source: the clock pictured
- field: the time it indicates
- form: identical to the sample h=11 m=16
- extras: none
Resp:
h=4 m=5
